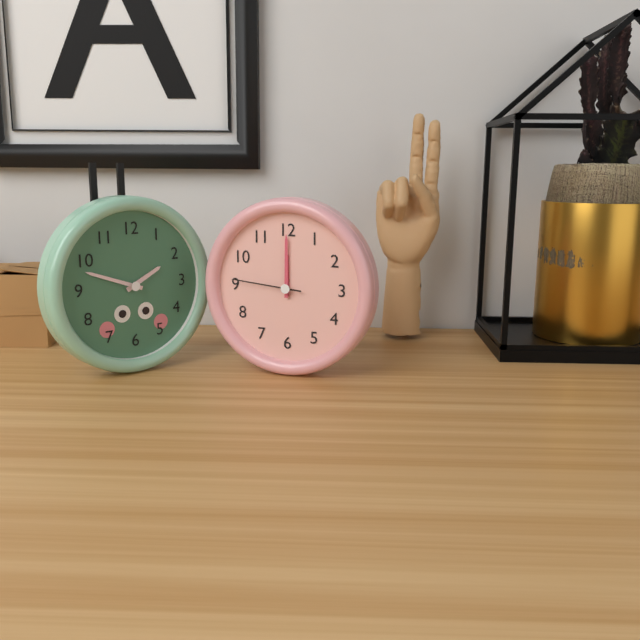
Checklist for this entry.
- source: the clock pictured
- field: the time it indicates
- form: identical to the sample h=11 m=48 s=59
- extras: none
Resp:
h=12 m=0 s=46
